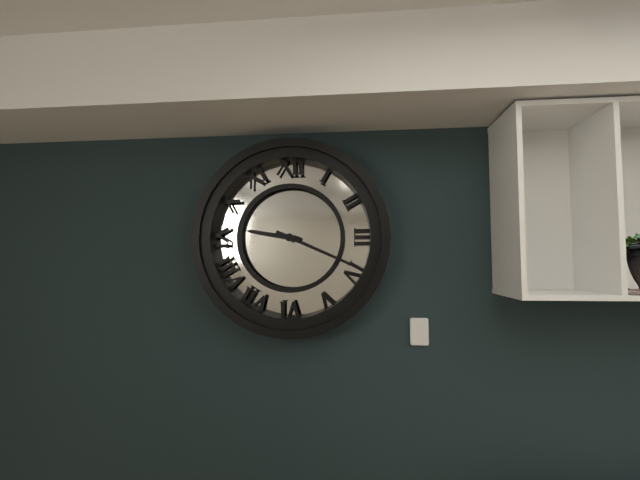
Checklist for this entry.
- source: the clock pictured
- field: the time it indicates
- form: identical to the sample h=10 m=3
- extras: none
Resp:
h=9 m=19
